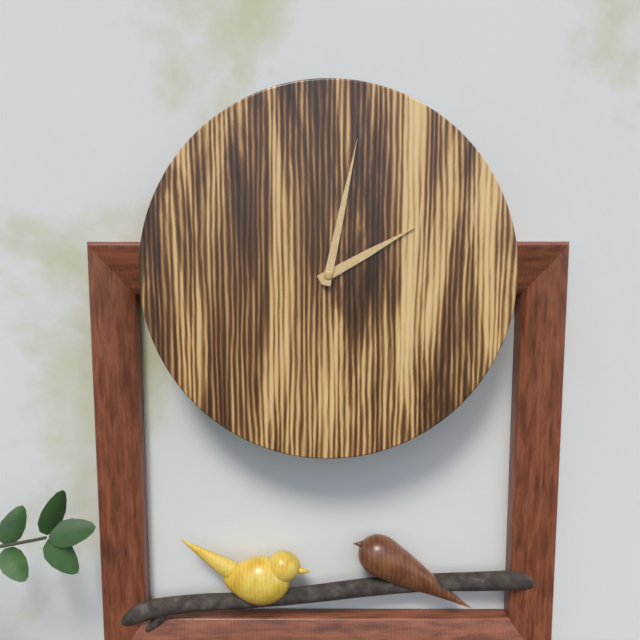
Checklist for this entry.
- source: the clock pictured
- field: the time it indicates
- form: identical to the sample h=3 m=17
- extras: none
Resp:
h=2 m=2
